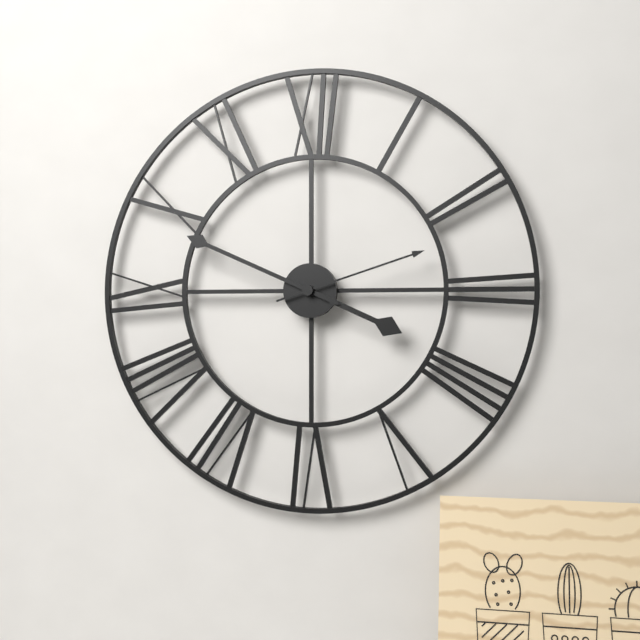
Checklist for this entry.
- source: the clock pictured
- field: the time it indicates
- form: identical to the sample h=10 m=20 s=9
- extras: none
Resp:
h=3 m=49 s=12
